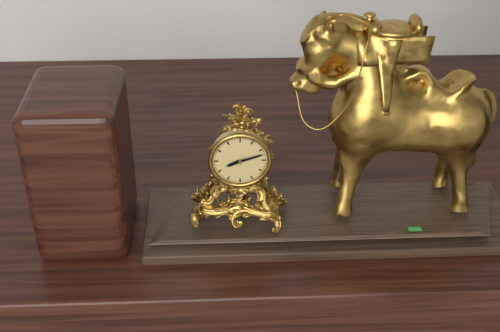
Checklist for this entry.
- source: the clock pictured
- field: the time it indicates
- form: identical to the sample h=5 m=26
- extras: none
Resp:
h=8 m=12
